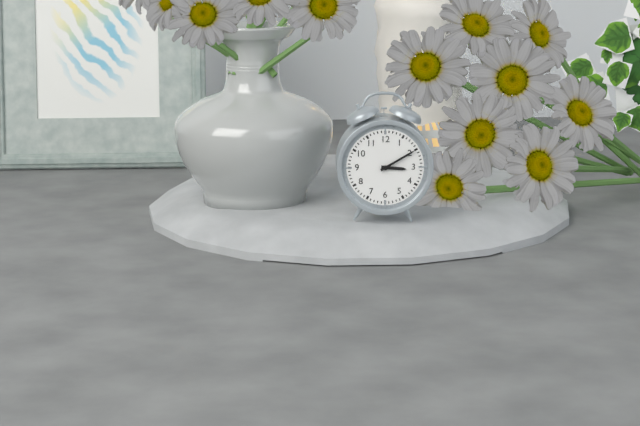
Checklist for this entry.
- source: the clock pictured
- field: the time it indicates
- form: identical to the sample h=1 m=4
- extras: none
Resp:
h=3 m=10
